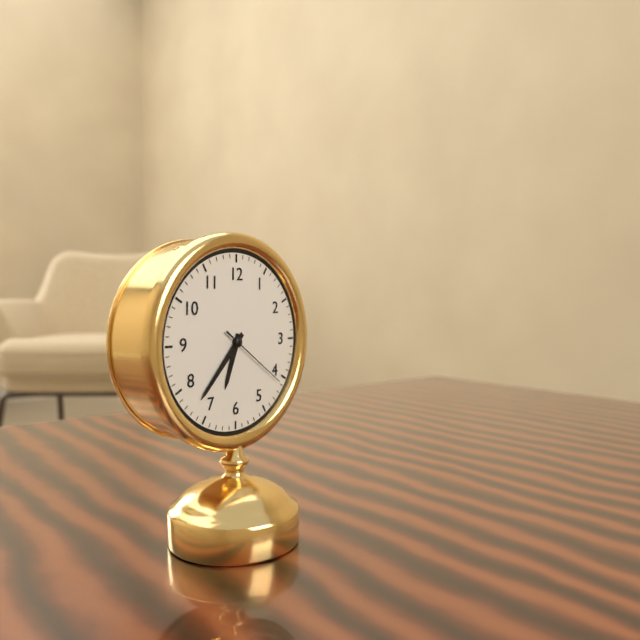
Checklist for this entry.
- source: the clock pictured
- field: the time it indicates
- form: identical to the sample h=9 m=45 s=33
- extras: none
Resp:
h=6 m=37 s=21
